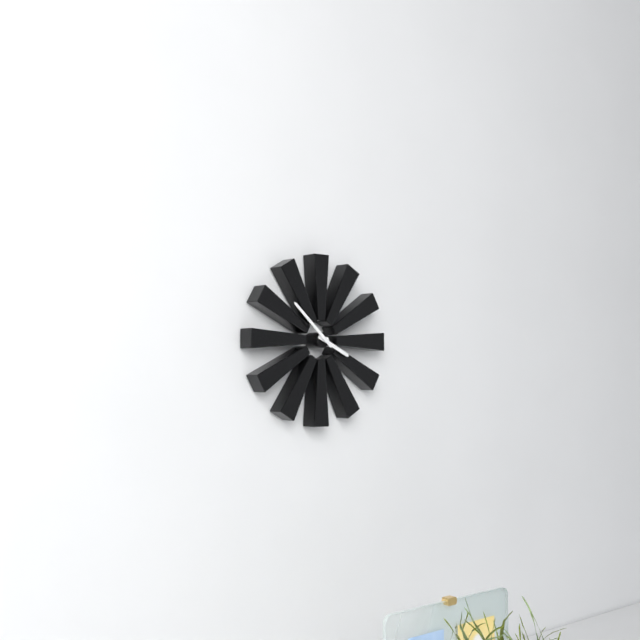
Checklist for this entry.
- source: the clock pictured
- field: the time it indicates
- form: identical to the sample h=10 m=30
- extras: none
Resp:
h=3 m=52
